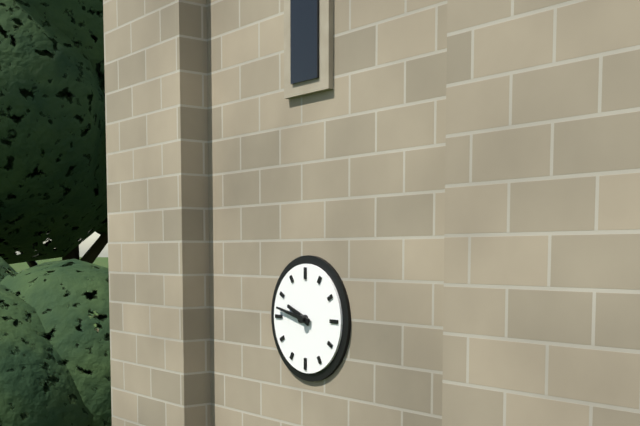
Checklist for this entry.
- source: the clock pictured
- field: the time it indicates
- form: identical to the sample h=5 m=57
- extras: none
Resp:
h=9 m=47
